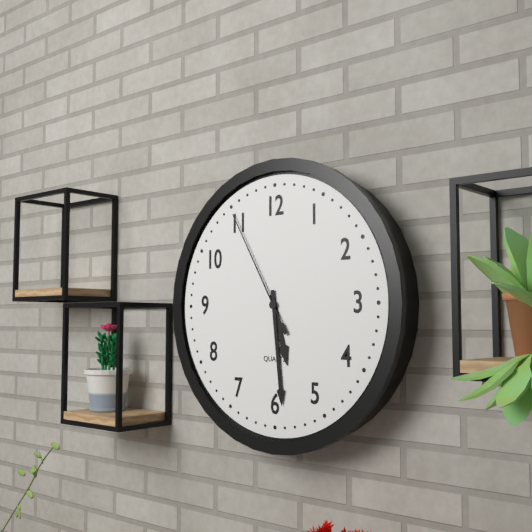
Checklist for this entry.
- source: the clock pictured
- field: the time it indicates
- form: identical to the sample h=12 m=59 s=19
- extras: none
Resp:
h=5 m=29 s=55
